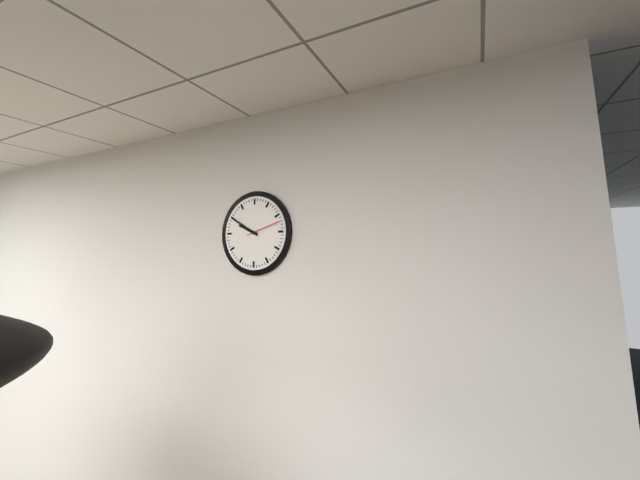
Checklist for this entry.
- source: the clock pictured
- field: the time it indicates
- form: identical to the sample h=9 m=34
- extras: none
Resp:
h=9 m=50
